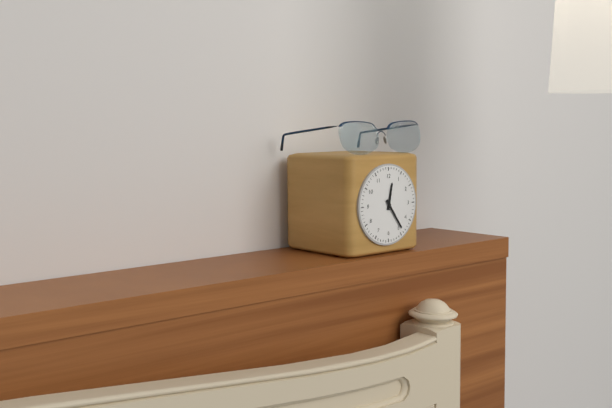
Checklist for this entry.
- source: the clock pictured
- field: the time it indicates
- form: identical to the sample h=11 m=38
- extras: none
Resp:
h=12 m=24
